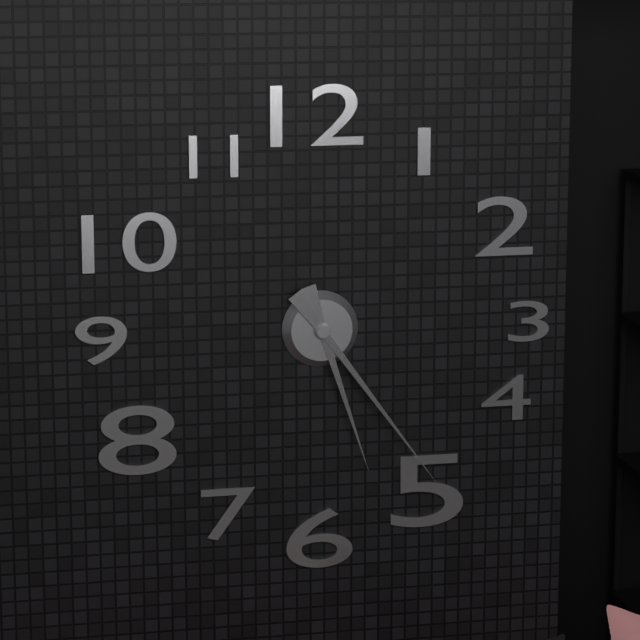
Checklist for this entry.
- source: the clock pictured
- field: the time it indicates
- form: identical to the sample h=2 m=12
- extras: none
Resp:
h=5 m=24
